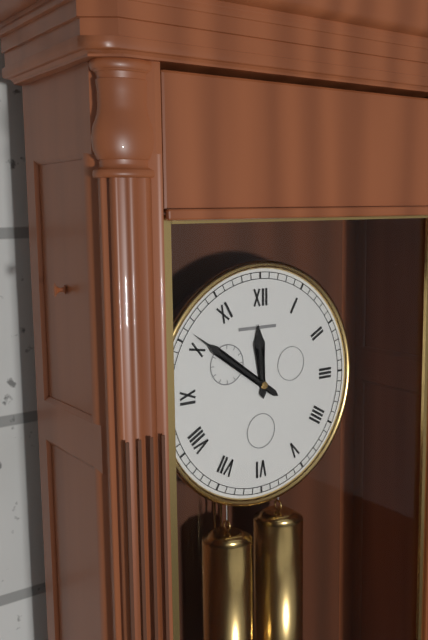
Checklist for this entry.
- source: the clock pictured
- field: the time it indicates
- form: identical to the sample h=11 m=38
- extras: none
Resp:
h=11 m=51
